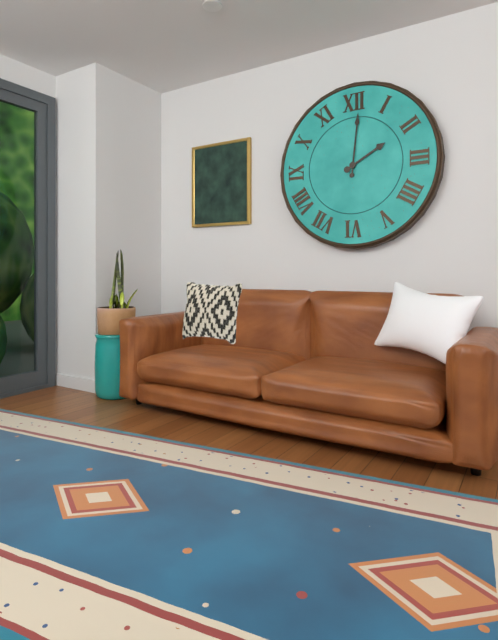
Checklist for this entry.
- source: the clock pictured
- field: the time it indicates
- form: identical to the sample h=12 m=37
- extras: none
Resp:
h=2 m=1
